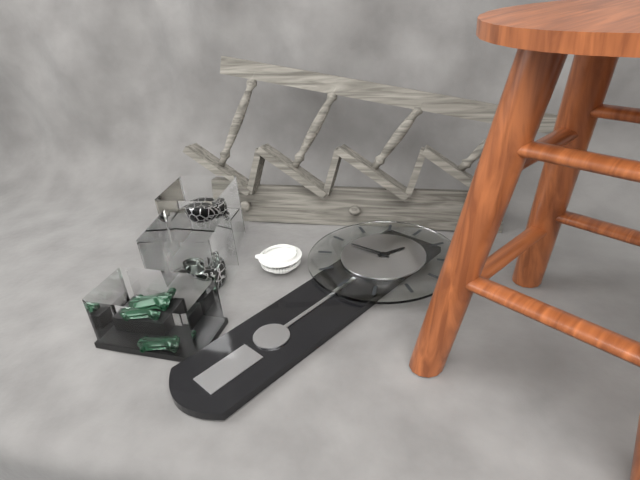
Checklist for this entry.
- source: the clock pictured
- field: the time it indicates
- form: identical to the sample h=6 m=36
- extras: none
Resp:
h=12 m=44
